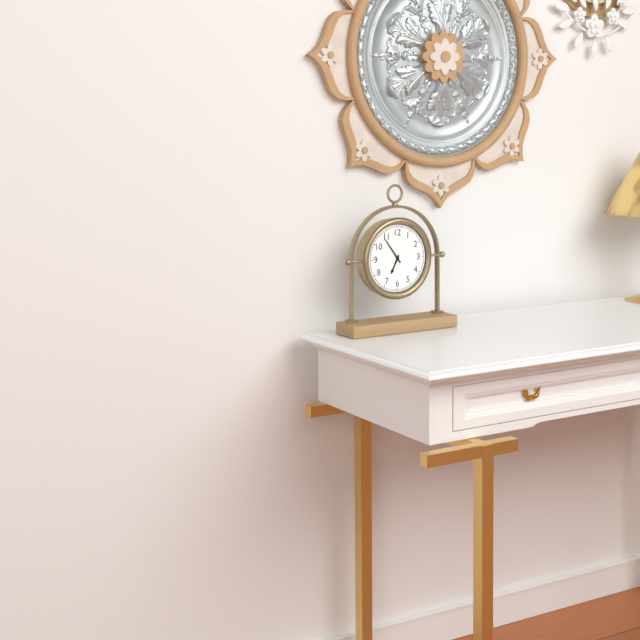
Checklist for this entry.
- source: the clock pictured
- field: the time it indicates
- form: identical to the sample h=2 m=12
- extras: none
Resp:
h=6 m=54
